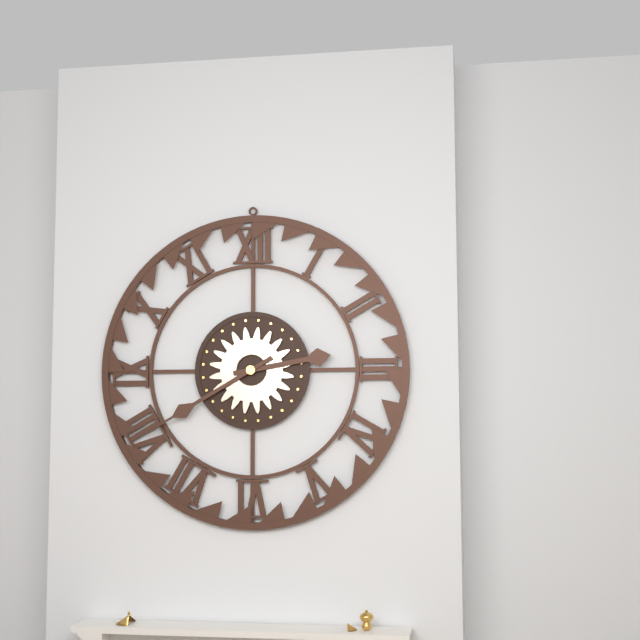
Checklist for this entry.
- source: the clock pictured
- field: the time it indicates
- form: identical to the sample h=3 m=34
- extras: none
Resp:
h=2 m=40
